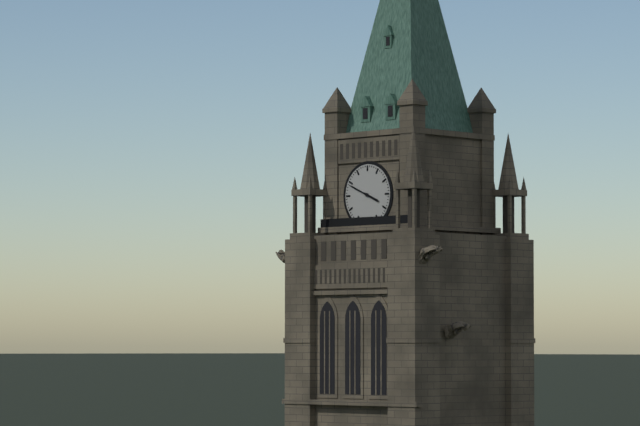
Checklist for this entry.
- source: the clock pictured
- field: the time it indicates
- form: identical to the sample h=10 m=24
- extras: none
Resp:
h=3 m=49
